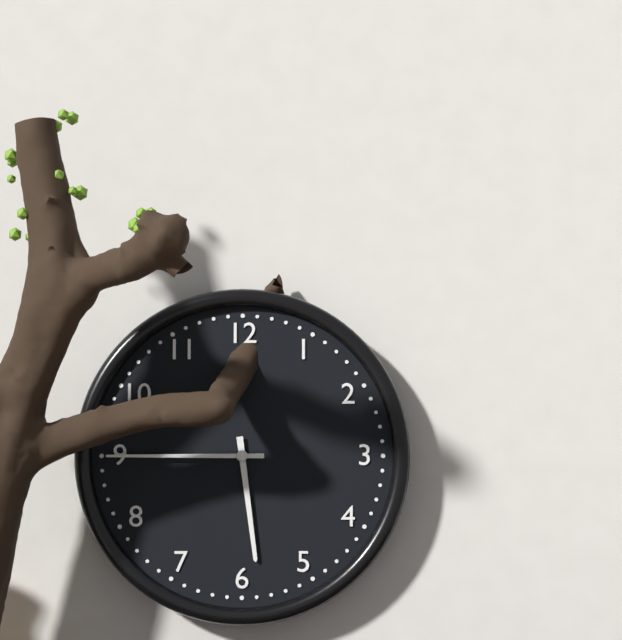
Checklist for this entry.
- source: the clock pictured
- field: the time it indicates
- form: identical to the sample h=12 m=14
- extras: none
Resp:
h=5 m=45
